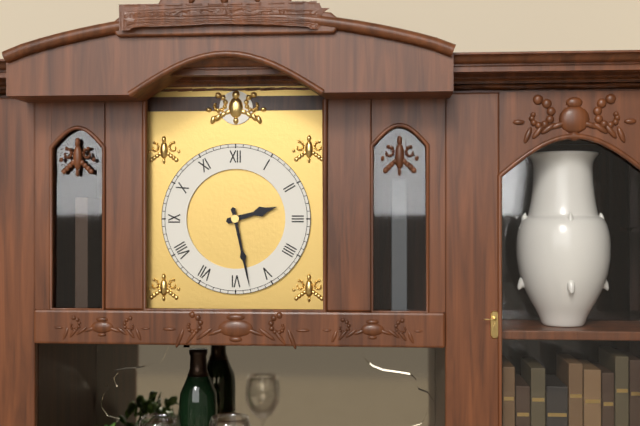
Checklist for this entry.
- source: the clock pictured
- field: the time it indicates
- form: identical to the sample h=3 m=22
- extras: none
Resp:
h=2 m=28
